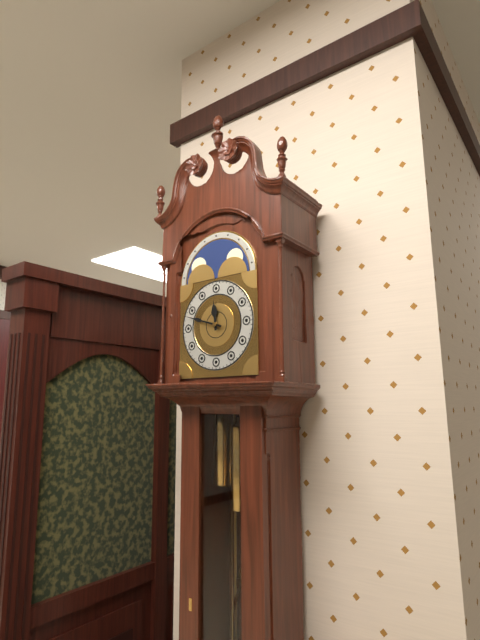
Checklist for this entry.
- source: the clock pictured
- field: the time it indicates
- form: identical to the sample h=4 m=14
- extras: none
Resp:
h=11 m=48
